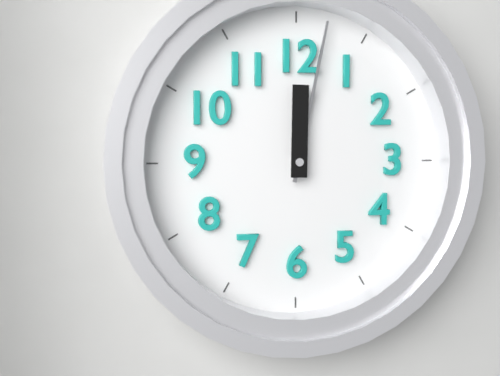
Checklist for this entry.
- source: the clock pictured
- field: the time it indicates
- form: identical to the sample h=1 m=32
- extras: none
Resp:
h=12 m=2
